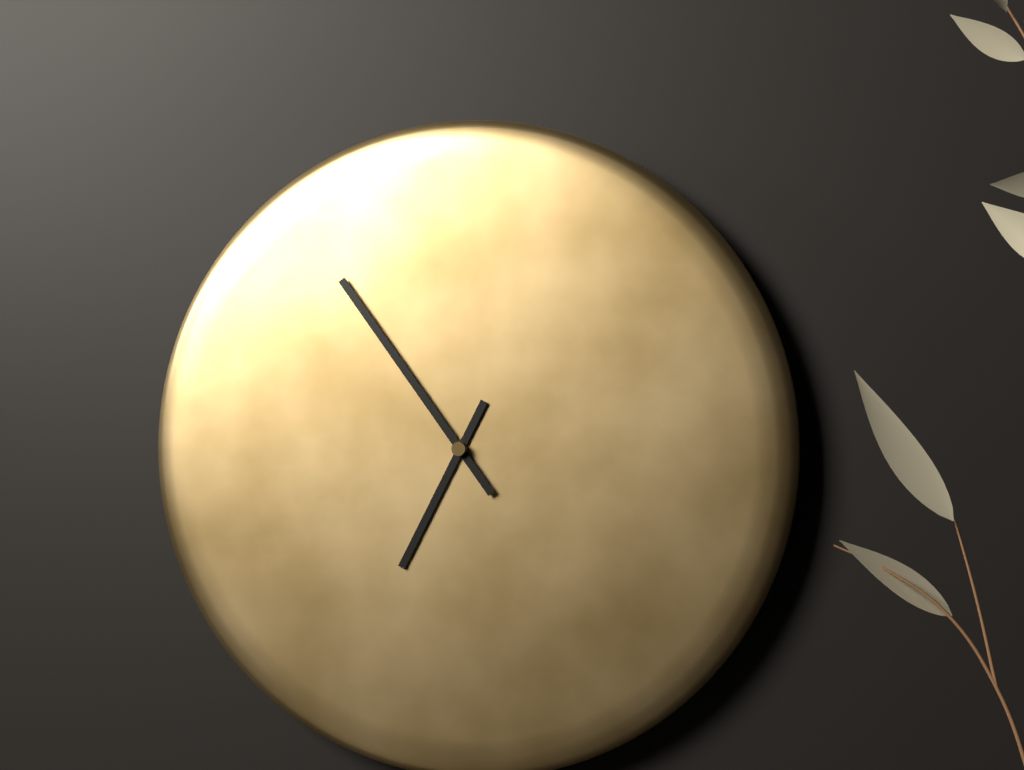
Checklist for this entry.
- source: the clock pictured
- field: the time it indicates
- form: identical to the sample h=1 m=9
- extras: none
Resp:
h=6 m=54
